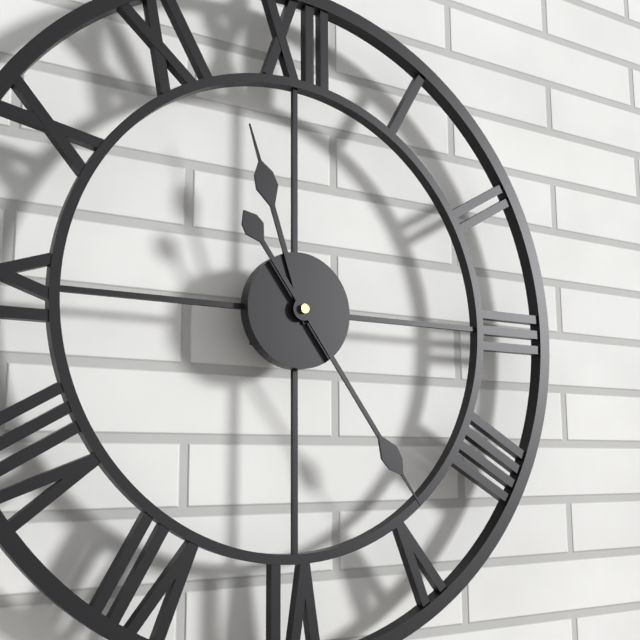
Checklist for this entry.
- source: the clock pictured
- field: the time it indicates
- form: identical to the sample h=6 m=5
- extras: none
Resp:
h=11 m=24
